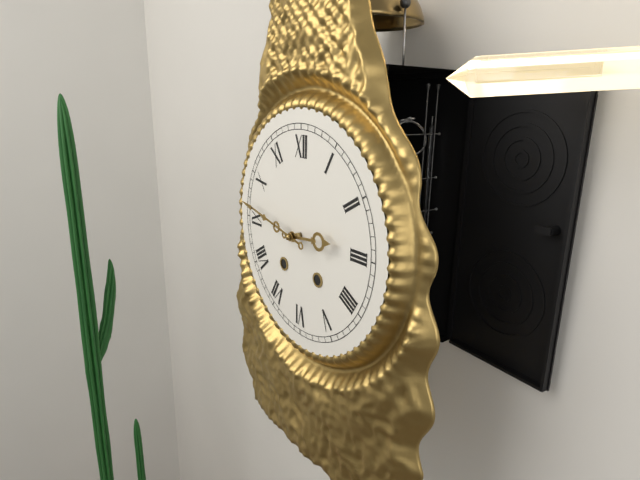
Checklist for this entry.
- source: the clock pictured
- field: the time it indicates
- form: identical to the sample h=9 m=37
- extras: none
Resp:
h=2 m=47
